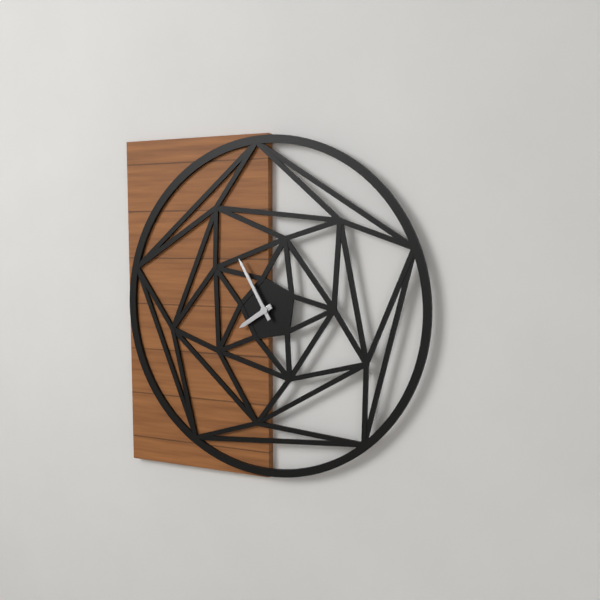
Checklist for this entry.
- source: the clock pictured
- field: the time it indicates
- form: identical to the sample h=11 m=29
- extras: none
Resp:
h=7 m=55
